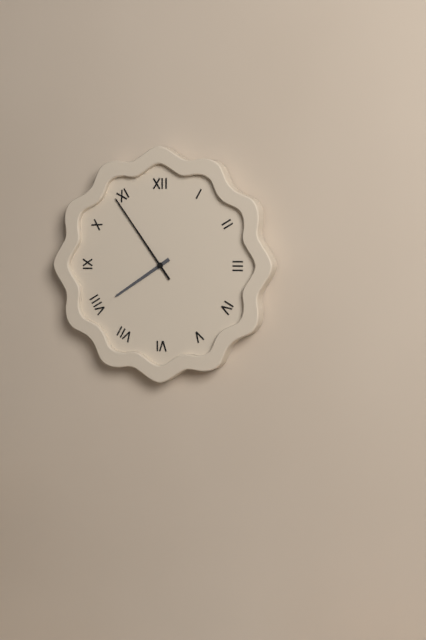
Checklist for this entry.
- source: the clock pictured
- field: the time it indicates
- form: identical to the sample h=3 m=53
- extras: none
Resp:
h=7 m=54
